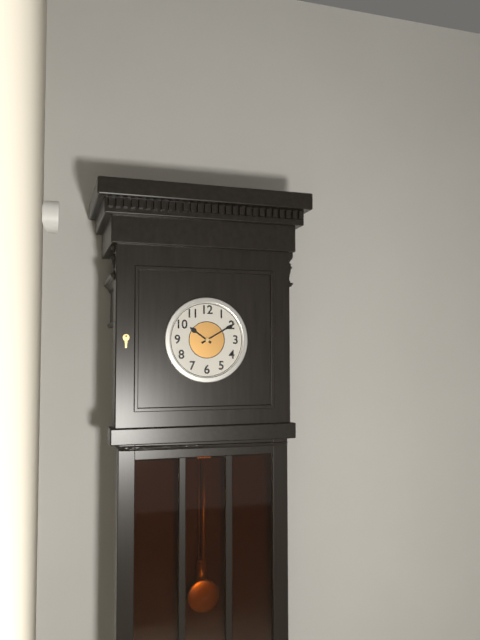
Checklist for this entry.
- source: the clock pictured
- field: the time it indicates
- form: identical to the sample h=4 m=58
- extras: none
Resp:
h=10 m=10
